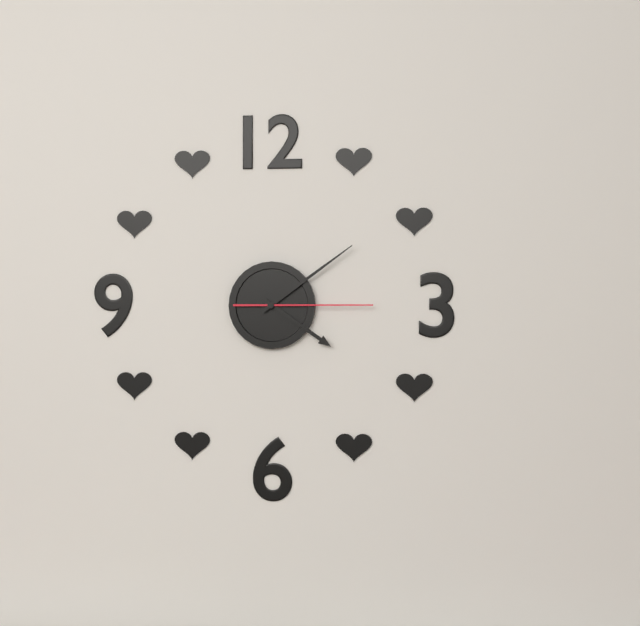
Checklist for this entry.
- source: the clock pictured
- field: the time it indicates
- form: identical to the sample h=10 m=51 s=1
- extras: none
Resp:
h=4 m=9 s=15
